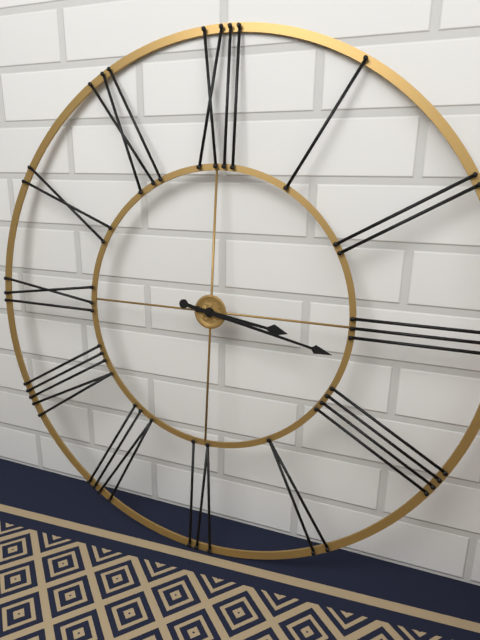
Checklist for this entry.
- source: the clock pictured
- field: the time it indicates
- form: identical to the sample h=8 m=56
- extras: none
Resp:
h=3 m=17
